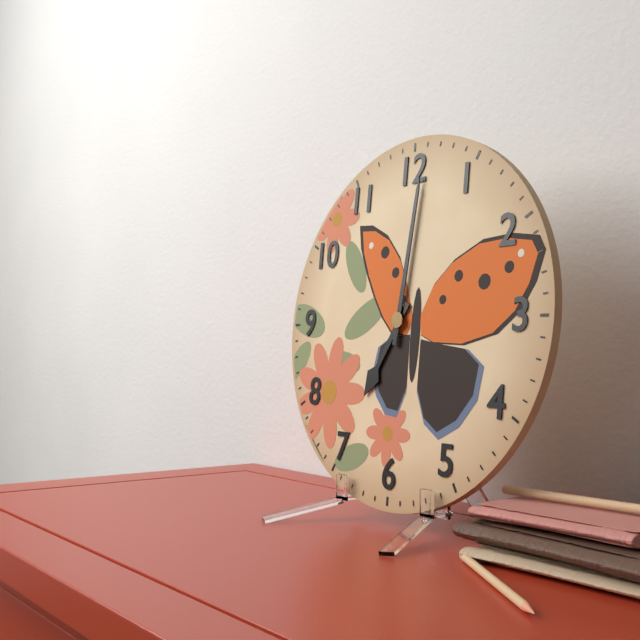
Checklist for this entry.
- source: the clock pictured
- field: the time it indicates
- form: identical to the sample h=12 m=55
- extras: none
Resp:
h=7 m=1
